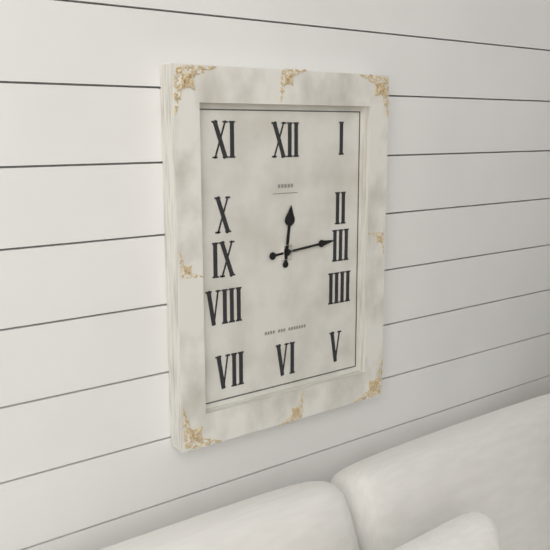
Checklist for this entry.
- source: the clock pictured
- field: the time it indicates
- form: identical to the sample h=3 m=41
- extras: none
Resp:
h=12 m=14
